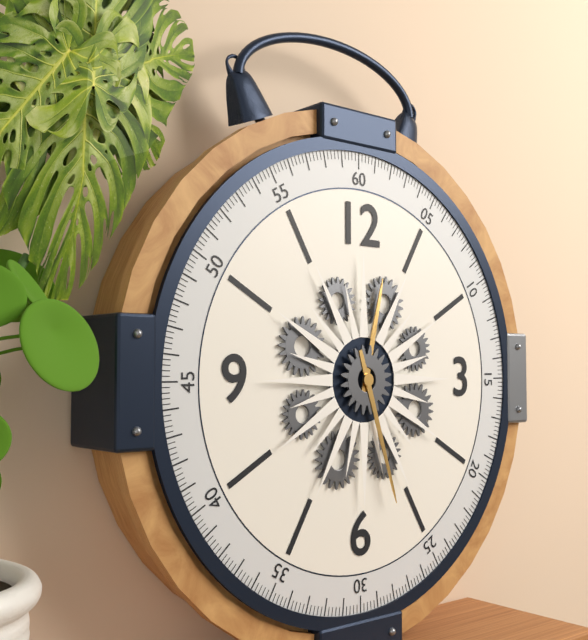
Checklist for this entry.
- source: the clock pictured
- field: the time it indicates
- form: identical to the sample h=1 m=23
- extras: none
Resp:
h=12 m=27
